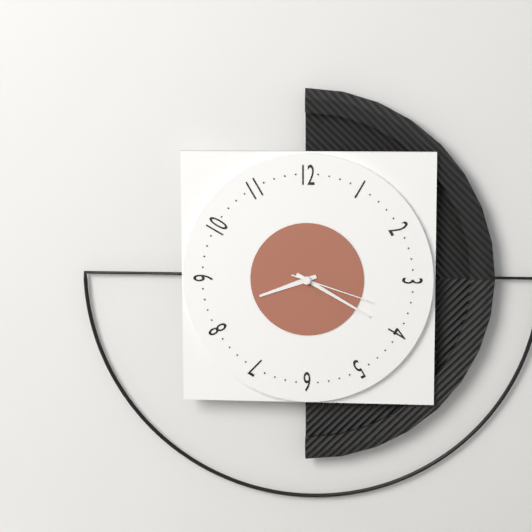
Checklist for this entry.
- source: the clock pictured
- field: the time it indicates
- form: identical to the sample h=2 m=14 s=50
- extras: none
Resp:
h=8 m=20 s=18
